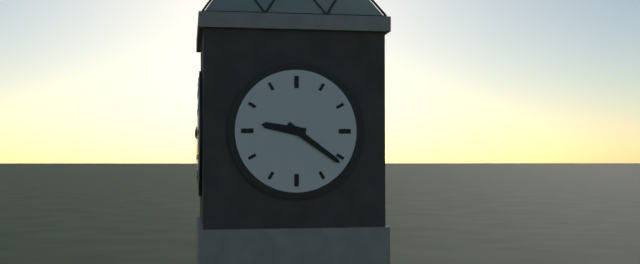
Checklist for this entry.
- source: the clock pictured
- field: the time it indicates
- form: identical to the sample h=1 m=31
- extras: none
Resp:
h=9 m=21
